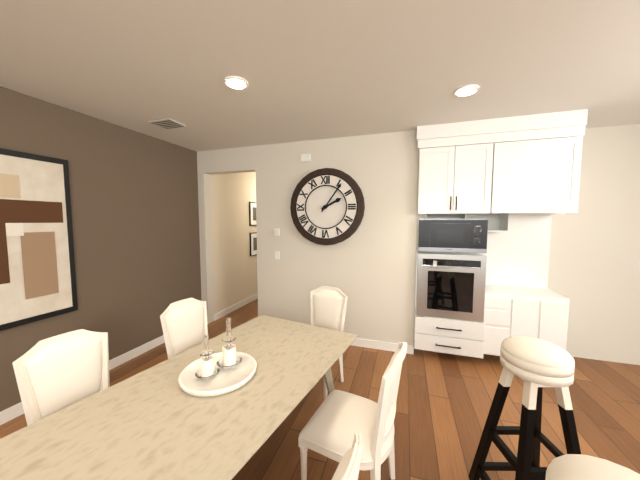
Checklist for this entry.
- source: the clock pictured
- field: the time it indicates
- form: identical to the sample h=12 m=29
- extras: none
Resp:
h=2 m=6
